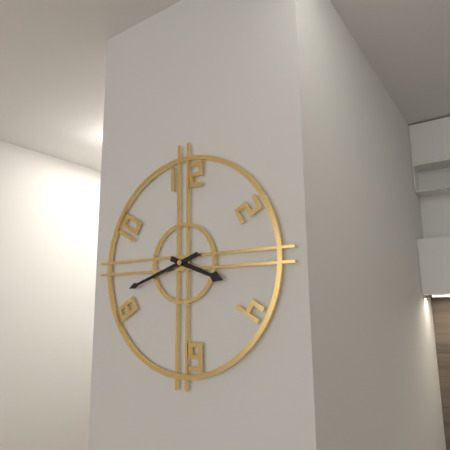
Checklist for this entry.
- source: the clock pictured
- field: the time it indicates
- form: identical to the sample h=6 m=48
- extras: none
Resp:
h=3 m=42
